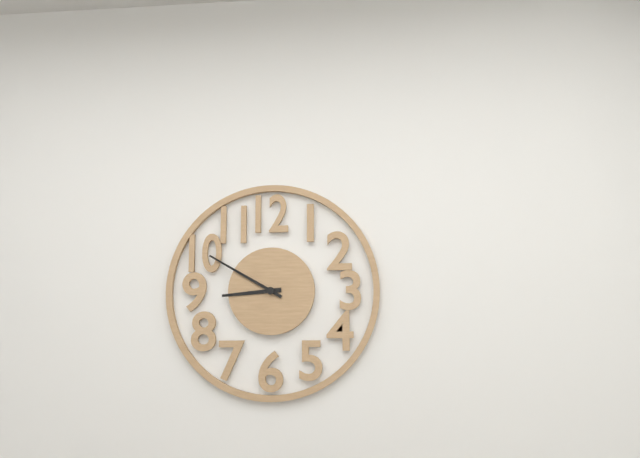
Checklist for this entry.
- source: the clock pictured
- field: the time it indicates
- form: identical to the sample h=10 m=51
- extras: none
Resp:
h=8 m=50
